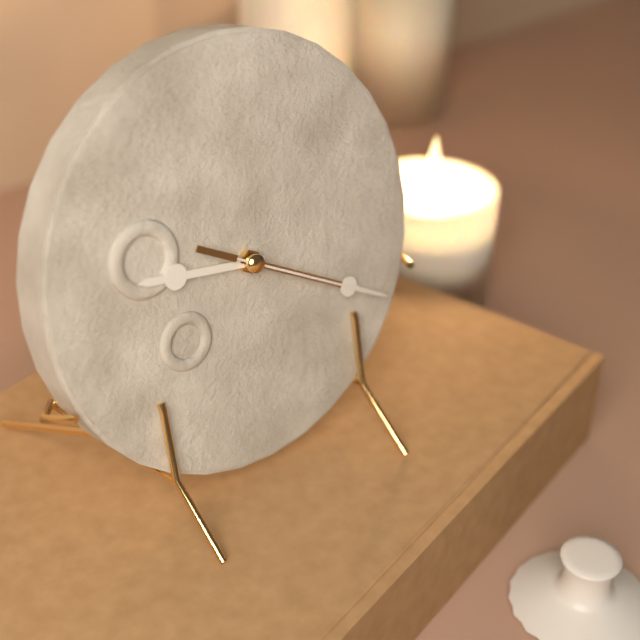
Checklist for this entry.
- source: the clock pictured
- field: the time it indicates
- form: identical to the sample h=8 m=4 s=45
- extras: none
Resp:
h=9 m=20 s=20
